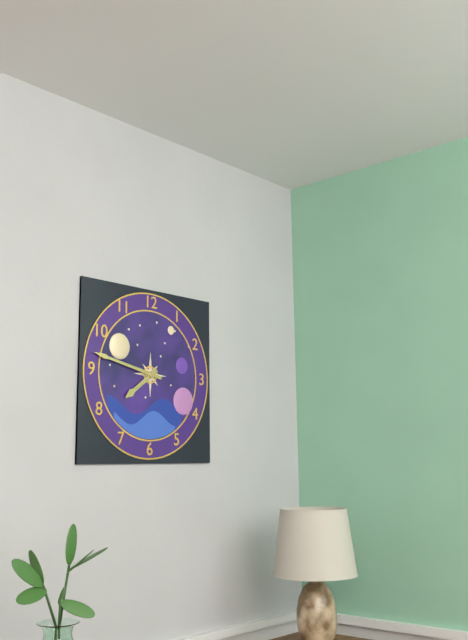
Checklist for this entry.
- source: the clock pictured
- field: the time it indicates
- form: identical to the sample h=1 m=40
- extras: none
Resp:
h=7 m=47
